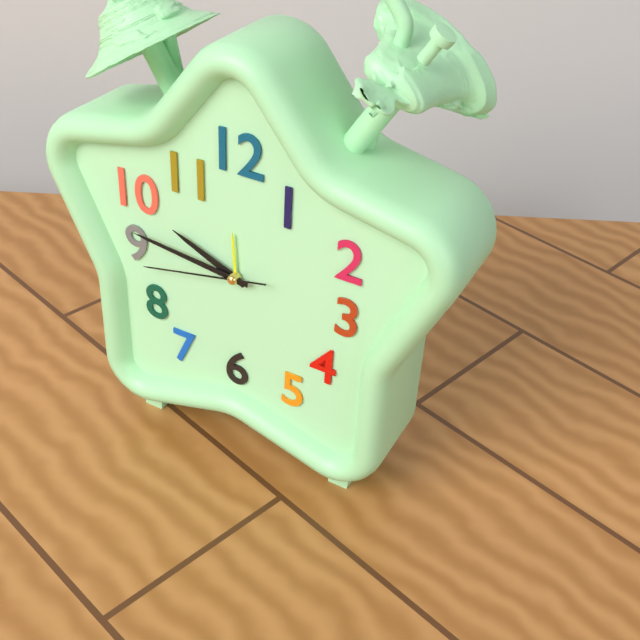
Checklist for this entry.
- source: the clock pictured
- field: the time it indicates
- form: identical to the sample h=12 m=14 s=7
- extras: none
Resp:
h=9 m=46 s=43
